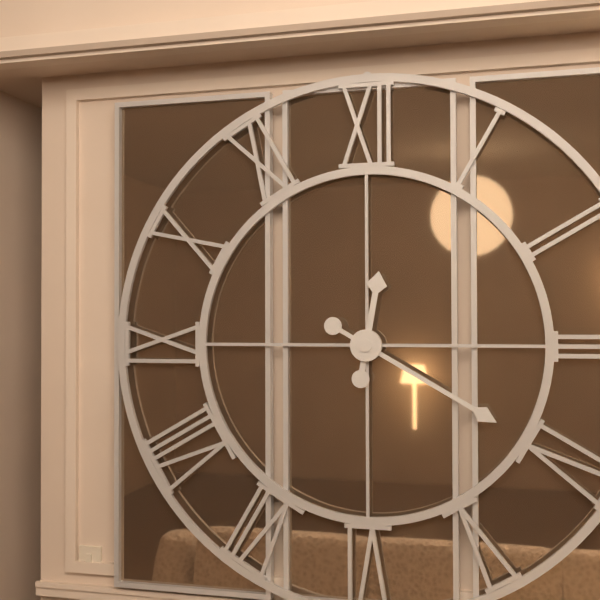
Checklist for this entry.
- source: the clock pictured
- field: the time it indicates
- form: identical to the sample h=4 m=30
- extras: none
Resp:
h=12 m=20
